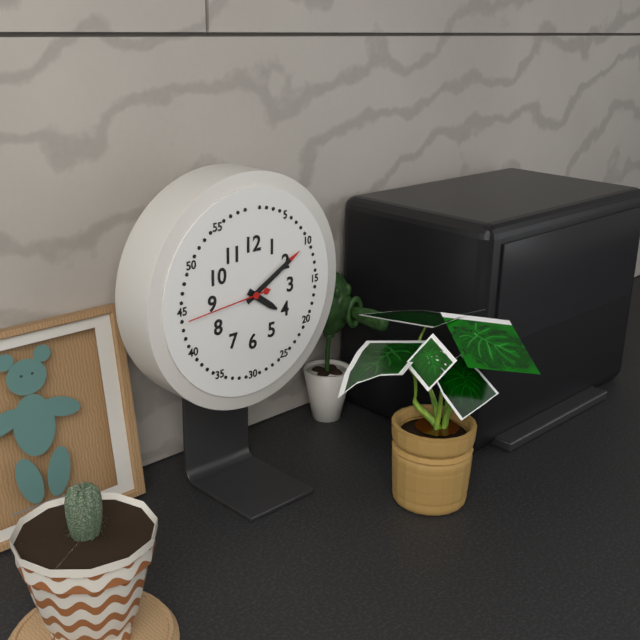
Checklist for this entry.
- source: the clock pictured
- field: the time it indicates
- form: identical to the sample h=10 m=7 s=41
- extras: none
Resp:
h=4 m=10 s=44
